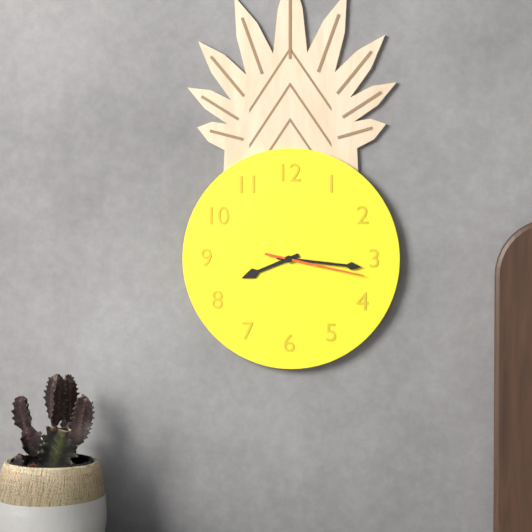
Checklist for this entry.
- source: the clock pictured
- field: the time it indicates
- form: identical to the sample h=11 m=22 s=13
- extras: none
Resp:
h=8 m=16 s=17
